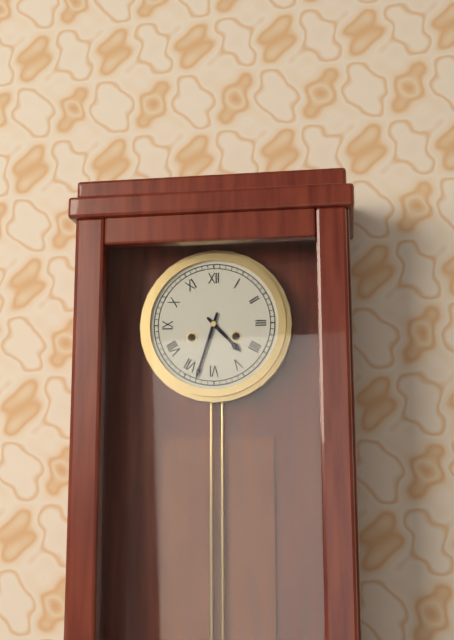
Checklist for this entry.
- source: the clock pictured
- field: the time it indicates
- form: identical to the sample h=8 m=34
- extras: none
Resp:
h=4 m=33
